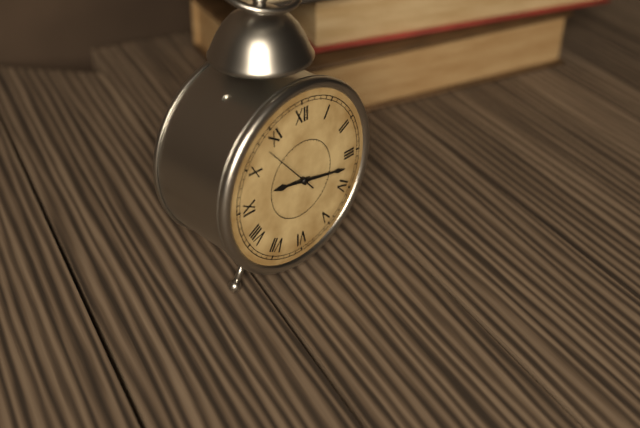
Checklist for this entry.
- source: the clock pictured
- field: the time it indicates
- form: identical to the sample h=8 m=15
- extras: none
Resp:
h=9 m=17
